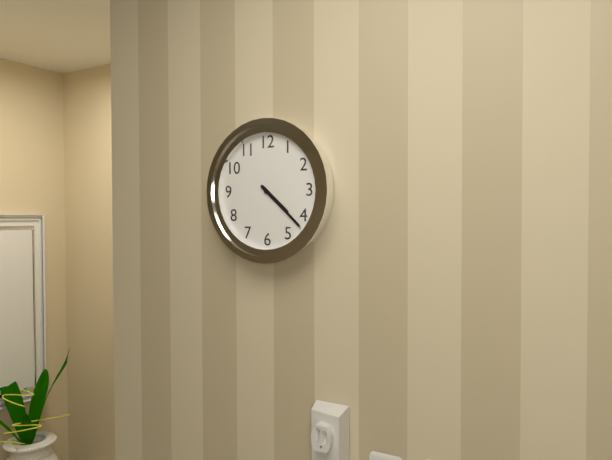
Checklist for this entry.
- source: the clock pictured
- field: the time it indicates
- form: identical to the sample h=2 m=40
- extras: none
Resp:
h=4 m=22
